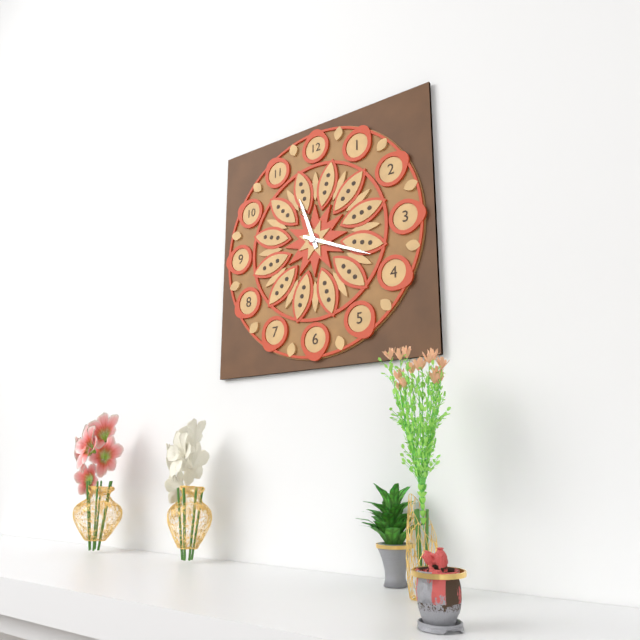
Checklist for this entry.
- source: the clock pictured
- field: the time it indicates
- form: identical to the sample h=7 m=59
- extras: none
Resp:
h=11 m=19
